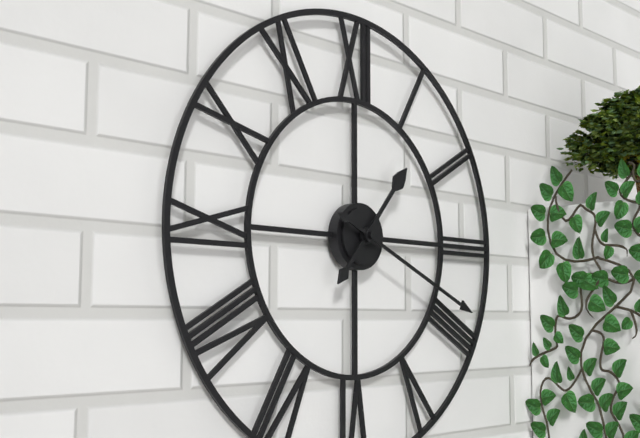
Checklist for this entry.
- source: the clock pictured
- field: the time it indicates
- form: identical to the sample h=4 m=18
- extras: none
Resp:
h=1 m=19
